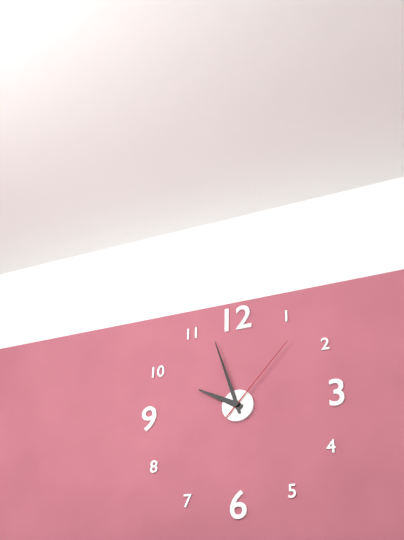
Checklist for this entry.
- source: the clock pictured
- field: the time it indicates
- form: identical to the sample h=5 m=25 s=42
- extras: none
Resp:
h=9 m=57 s=7
